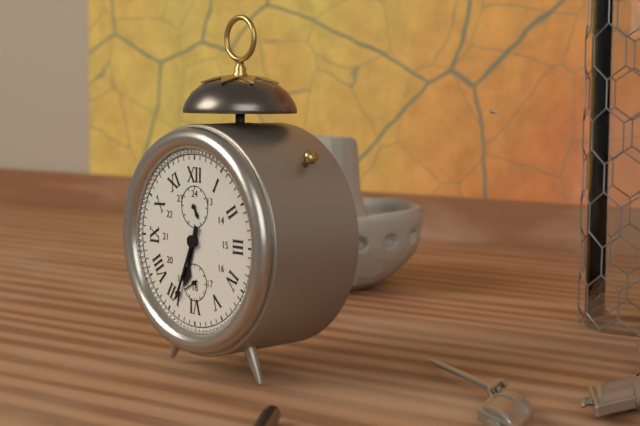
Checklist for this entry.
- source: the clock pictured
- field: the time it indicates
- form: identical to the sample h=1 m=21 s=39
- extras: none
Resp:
h=6 m=34 s=40
